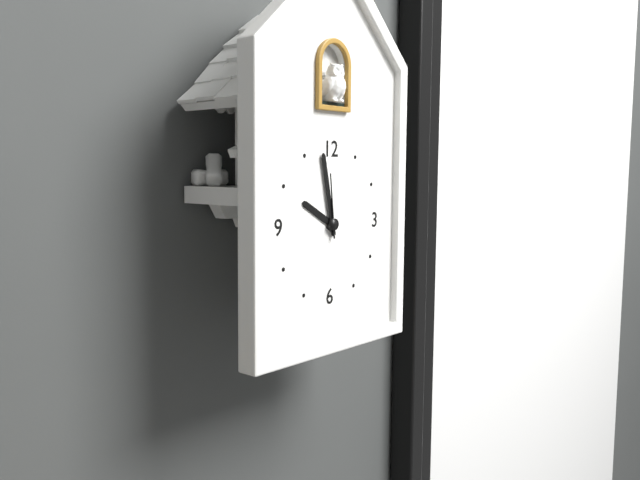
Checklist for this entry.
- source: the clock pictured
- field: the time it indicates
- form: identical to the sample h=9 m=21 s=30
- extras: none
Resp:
h=9 m=58 s=59
